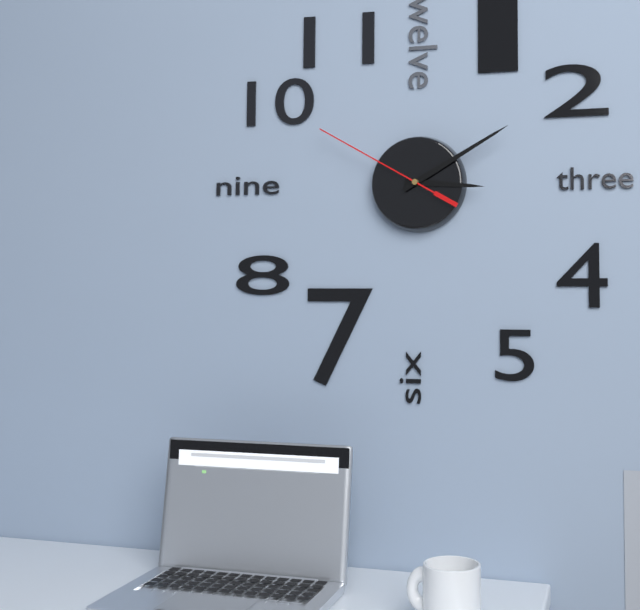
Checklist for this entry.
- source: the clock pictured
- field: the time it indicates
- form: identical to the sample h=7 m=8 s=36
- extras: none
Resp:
h=3 m=10 s=50
